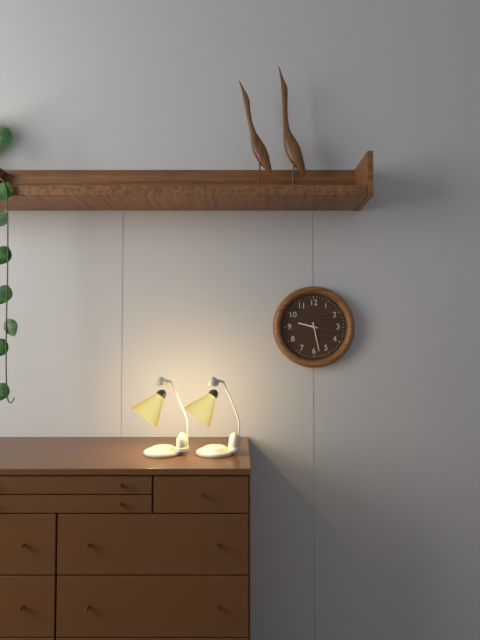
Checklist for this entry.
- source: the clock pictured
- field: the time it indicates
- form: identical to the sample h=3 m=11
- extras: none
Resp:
h=9 m=28
